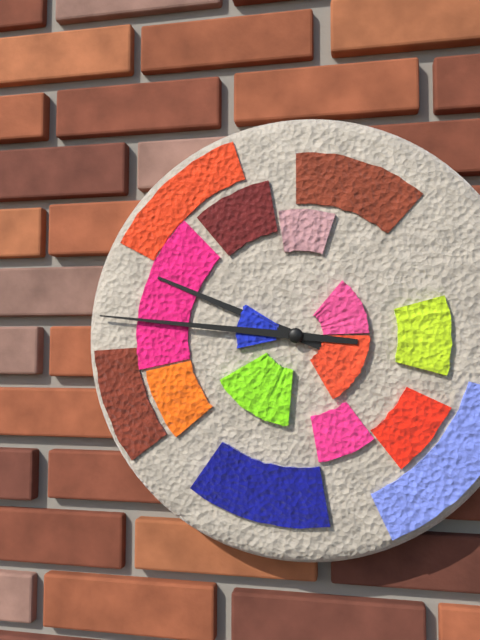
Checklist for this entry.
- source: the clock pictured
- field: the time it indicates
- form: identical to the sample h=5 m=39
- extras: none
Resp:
h=9 m=46
